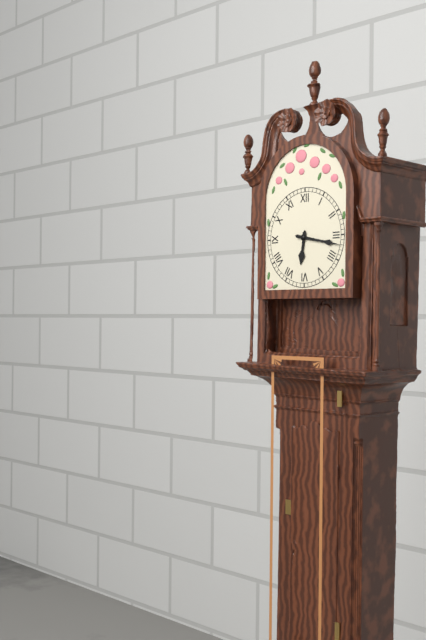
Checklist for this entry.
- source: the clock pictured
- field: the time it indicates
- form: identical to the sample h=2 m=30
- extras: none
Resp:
h=6 m=17
